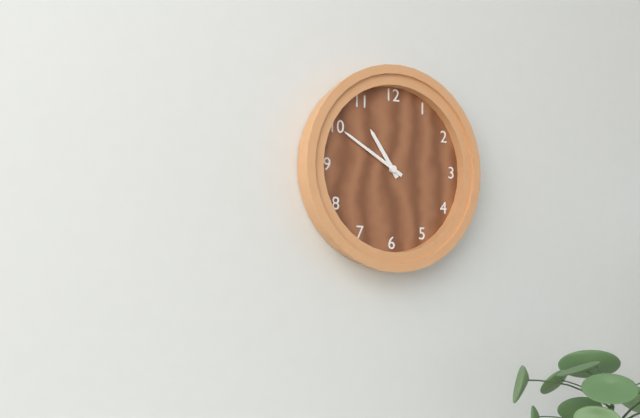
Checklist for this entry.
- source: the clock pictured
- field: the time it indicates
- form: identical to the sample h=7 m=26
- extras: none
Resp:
h=10 m=50
